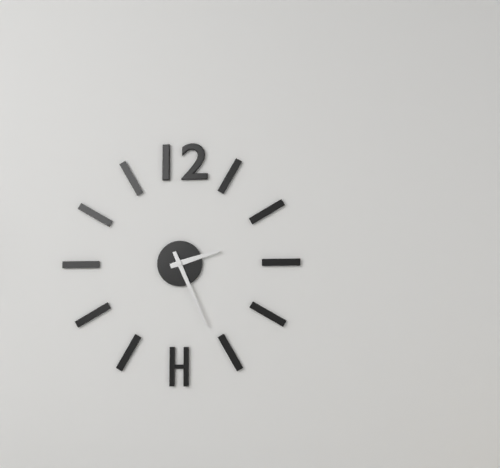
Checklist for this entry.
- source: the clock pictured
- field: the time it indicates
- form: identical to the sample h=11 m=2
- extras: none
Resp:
h=2 m=26
